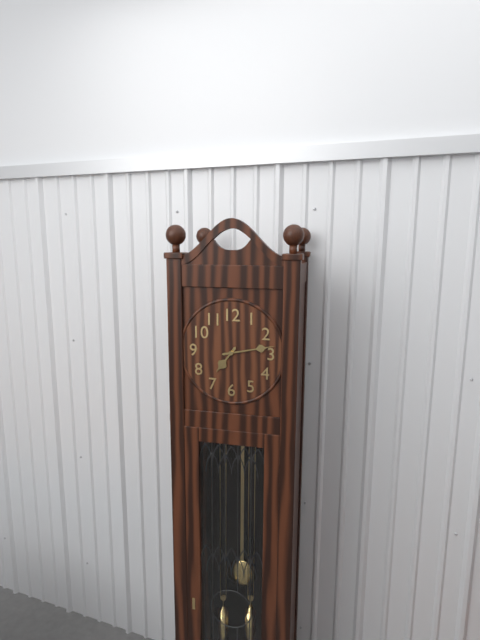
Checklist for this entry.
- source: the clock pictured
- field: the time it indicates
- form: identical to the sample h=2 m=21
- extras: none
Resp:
h=7 m=13
